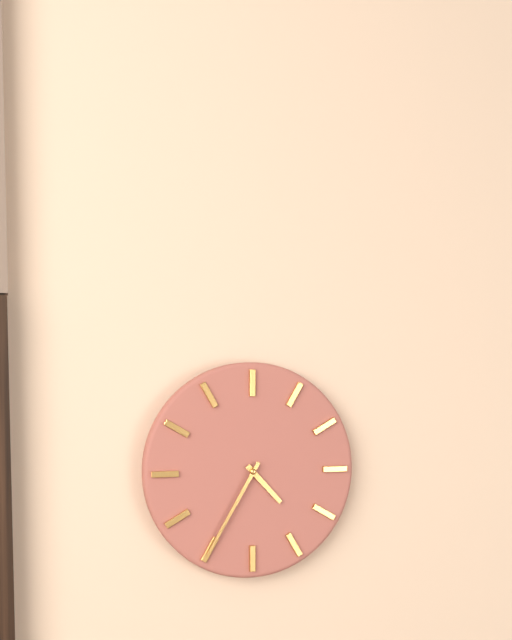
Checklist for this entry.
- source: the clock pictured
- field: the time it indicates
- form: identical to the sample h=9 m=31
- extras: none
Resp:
h=4 m=35
